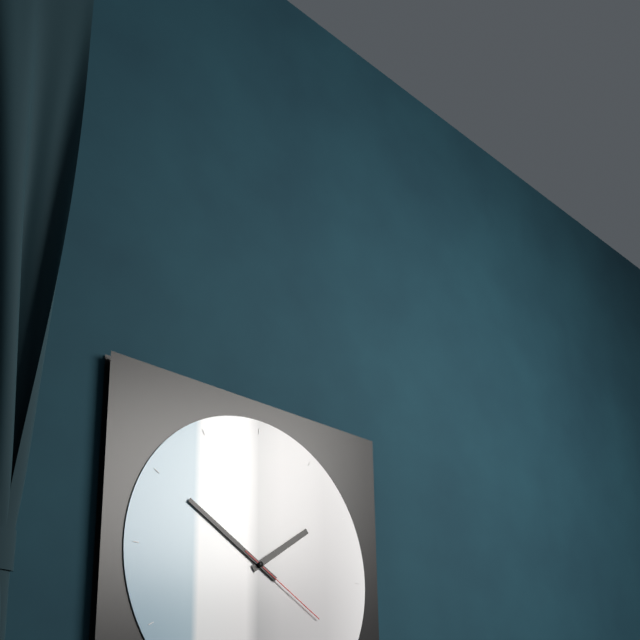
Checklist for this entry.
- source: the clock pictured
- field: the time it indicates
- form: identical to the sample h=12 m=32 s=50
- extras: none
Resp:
h=1 m=50 s=20
